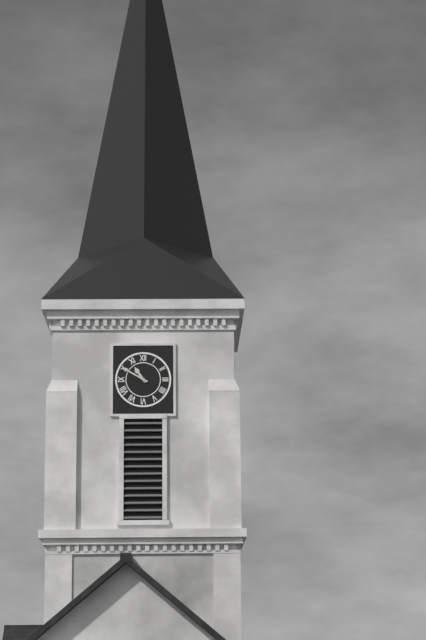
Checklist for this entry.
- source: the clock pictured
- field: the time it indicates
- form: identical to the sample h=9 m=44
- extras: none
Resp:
h=10 m=50
